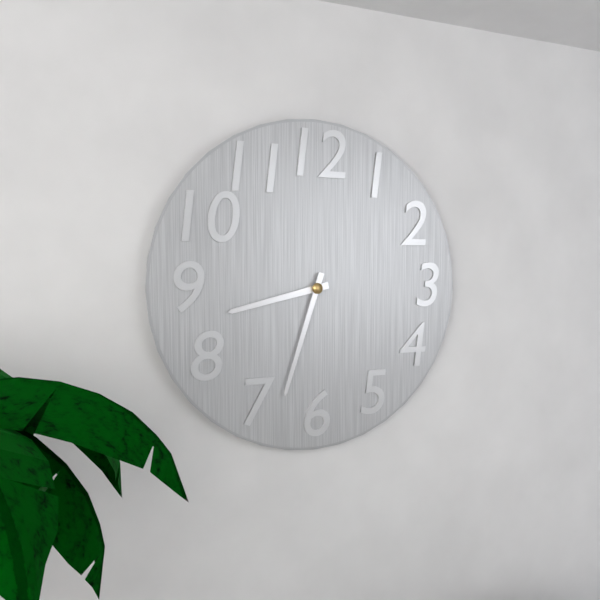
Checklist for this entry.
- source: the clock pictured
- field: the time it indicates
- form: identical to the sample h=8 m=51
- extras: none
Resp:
h=8 m=33
